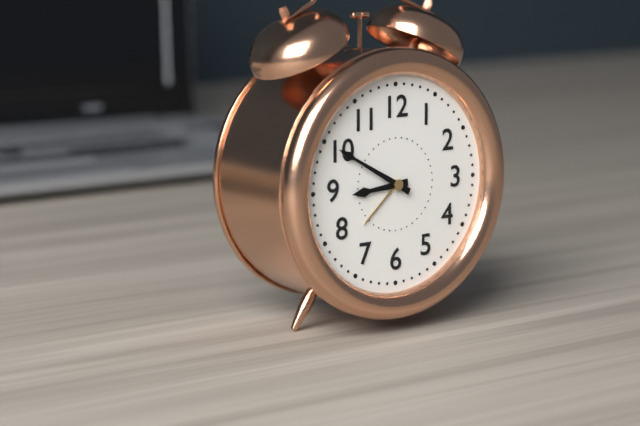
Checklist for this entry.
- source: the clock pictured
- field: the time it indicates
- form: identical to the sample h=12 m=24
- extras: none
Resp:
h=8 m=50
